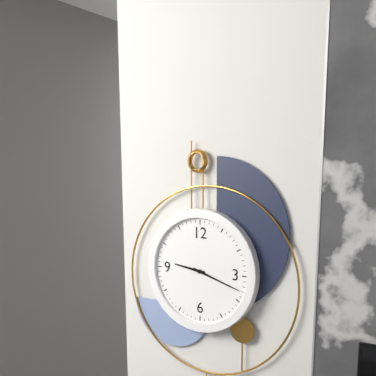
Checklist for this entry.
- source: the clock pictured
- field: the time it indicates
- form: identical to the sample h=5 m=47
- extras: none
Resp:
h=9 m=18
